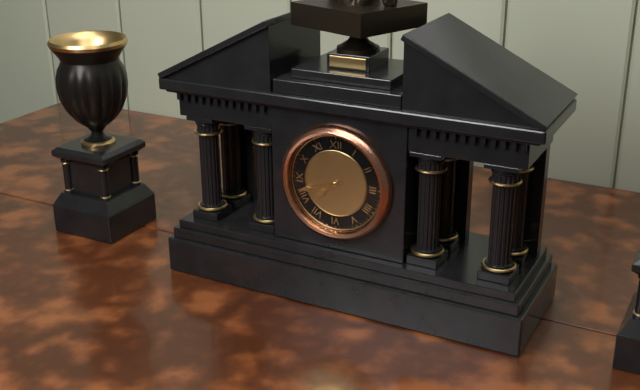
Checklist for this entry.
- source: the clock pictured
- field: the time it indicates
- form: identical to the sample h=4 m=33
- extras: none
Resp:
h=7 m=42
